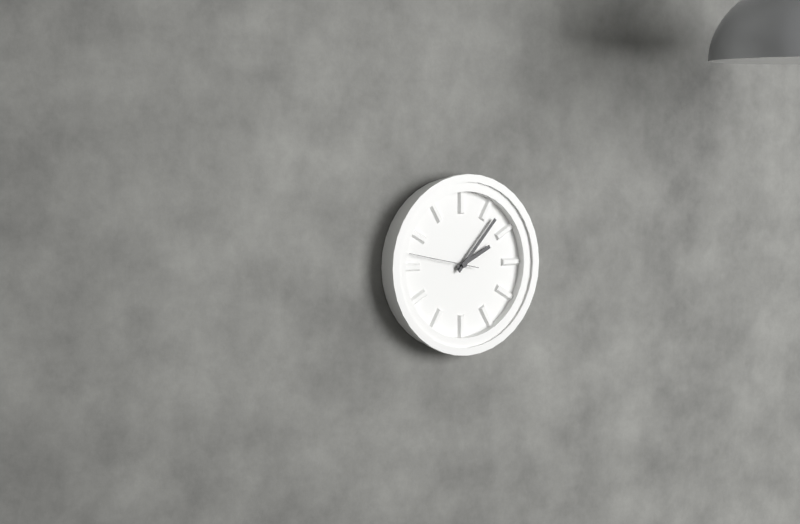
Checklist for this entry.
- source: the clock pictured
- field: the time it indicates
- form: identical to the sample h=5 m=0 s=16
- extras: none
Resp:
h=2 m=7 s=47
